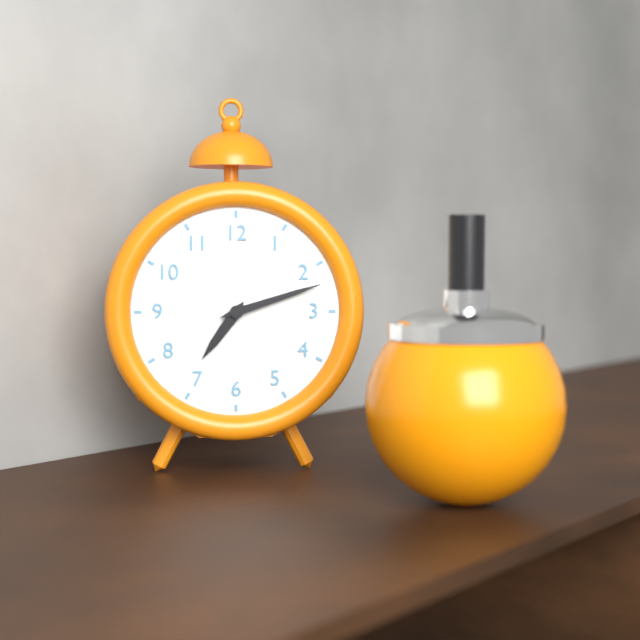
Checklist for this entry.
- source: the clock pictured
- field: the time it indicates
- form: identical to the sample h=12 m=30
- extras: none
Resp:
h=7 m=12
